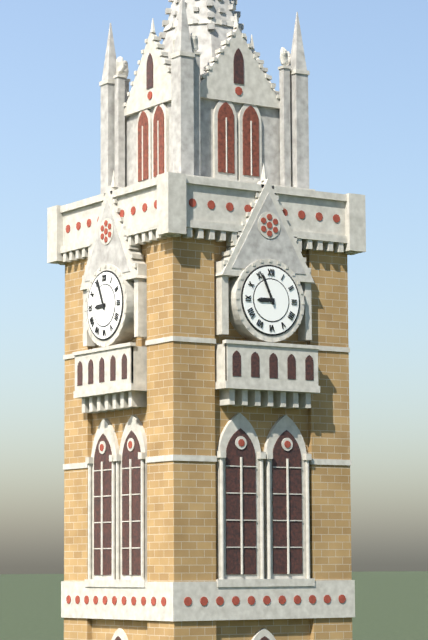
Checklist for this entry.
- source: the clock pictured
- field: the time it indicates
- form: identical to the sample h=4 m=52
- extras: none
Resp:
h=8 m=56
